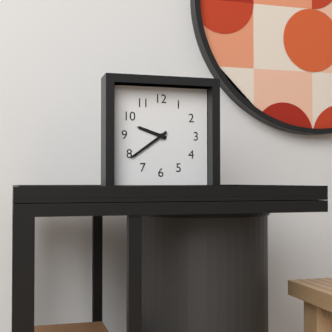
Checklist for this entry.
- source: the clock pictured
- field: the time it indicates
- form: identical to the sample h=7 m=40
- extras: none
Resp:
h=9 m=39
